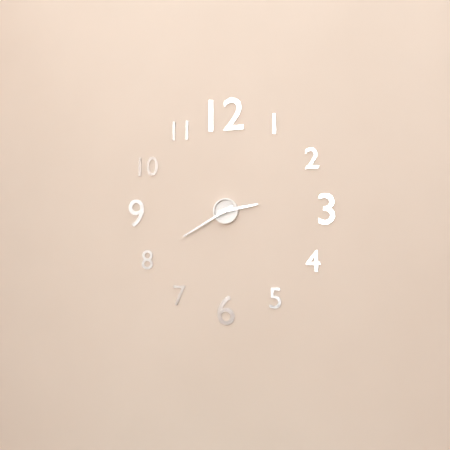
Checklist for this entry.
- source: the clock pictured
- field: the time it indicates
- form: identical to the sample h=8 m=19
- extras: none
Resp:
h=2 m=40
